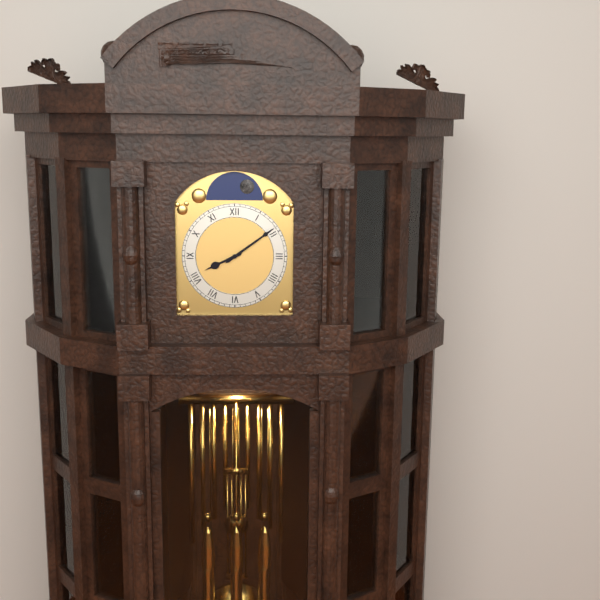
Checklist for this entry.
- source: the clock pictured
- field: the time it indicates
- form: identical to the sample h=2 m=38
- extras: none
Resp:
h=8 m=9
